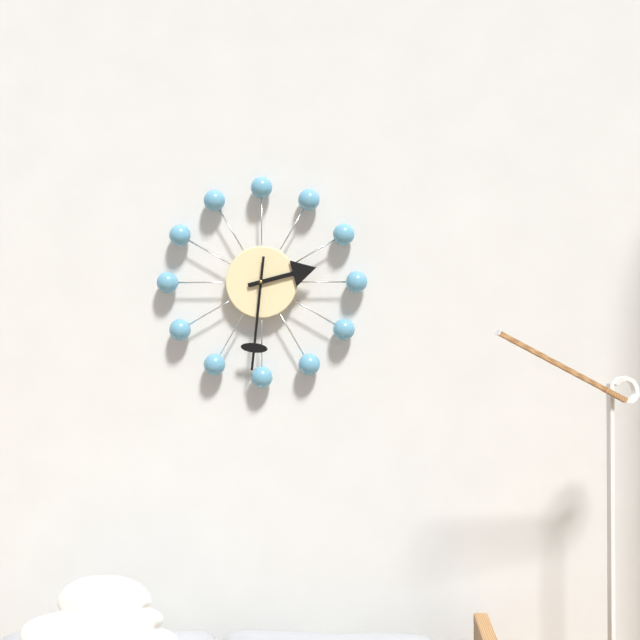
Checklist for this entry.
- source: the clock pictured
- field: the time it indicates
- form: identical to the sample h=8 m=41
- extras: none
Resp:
h=2 m=31
